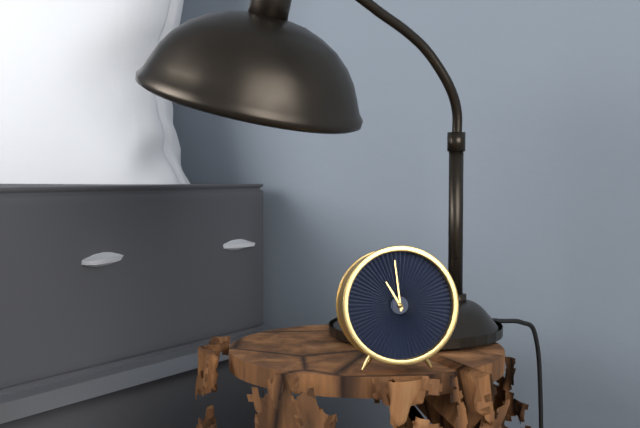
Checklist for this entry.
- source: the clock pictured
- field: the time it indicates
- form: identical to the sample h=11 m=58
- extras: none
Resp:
h=10 m=59
